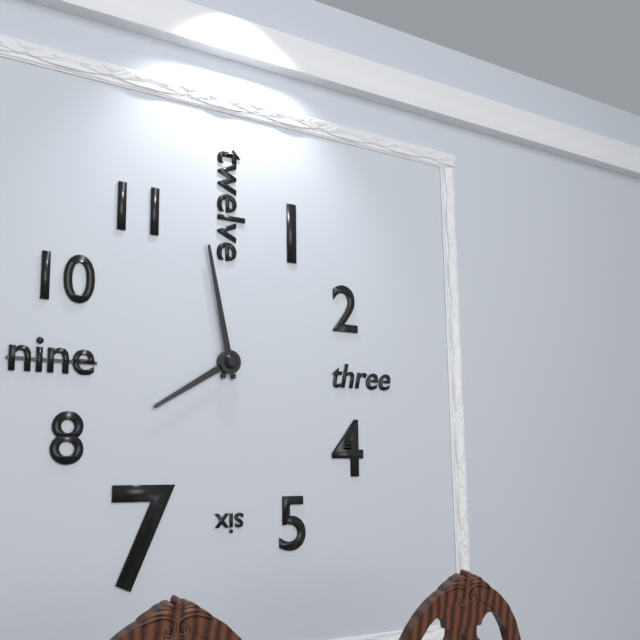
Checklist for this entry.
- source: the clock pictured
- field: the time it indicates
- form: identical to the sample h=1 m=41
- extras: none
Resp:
h=7 m=58
